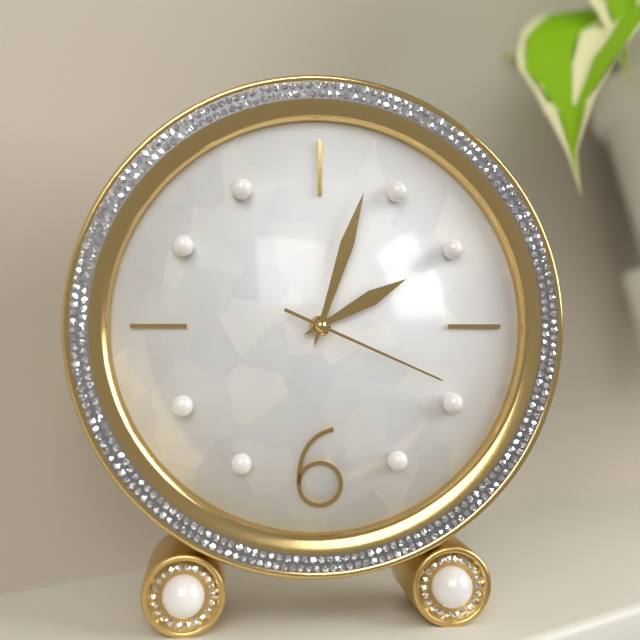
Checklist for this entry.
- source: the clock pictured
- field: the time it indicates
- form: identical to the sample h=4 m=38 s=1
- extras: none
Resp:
h=2 m=3 s=19
